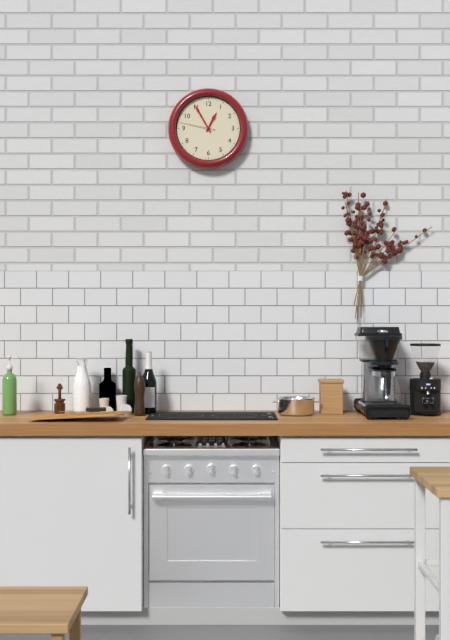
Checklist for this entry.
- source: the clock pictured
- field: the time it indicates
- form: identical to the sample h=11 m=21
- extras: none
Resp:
h=12 m=55
